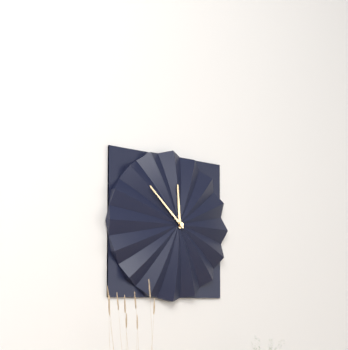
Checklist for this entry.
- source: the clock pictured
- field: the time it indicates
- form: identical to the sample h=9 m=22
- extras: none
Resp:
h=11 m=52
